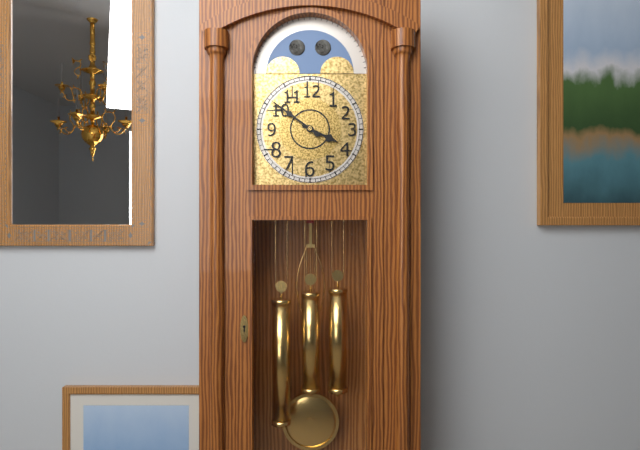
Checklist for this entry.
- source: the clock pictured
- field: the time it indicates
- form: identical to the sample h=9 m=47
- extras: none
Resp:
h=3 m=51
